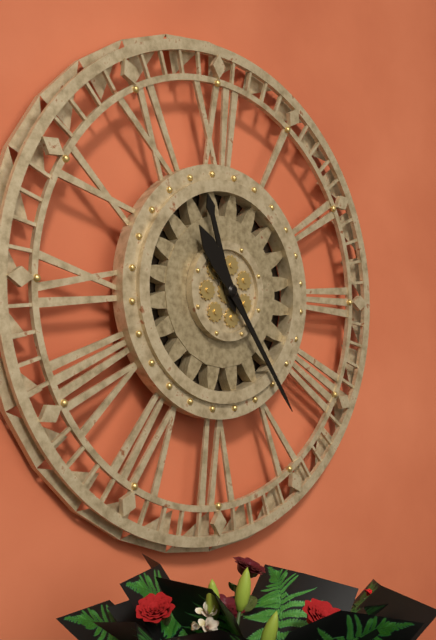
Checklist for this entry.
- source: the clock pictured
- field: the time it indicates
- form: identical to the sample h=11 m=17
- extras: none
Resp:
h=11 m=24
